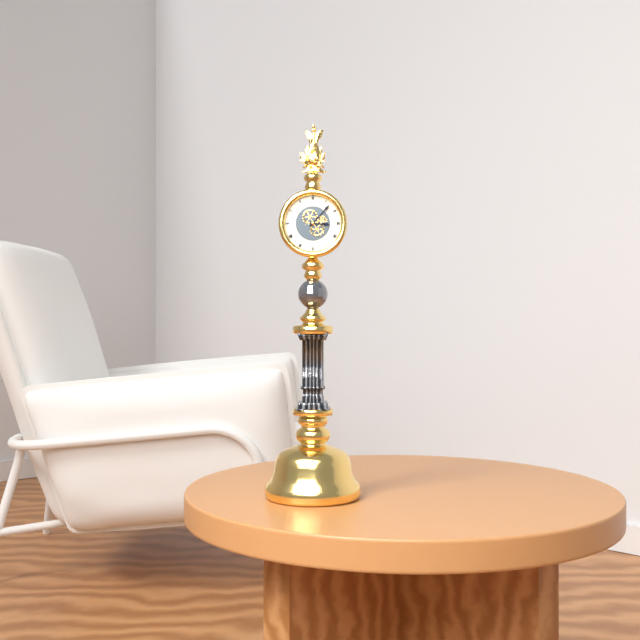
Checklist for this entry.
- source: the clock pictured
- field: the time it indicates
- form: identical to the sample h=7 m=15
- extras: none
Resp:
h=3 m=7
